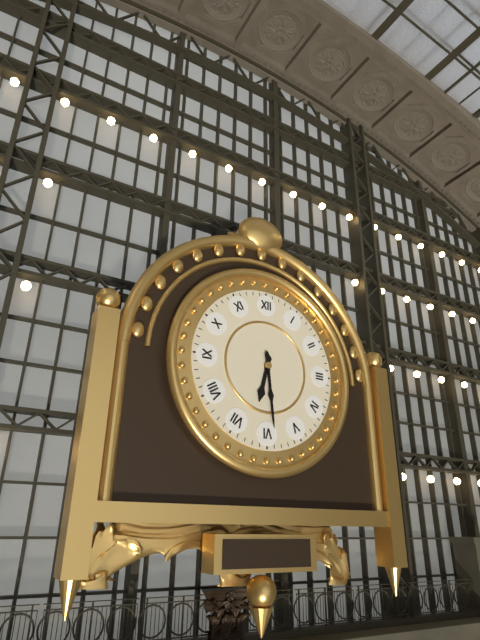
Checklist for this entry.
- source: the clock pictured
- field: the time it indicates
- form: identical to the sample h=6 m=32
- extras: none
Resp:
h=6 m=29
